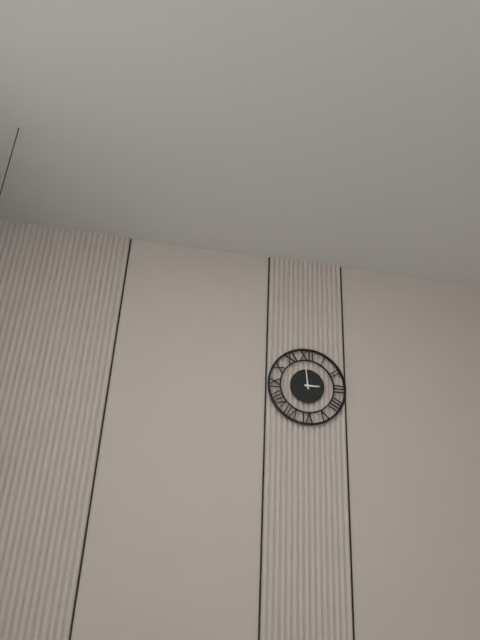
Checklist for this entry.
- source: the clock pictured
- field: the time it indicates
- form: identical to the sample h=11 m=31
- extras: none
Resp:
h=2 m=59
